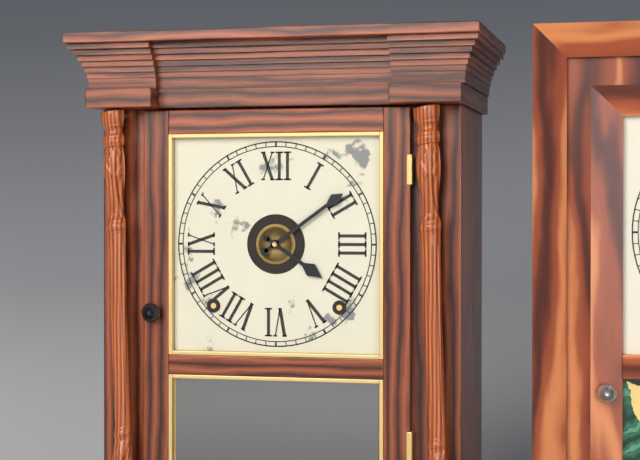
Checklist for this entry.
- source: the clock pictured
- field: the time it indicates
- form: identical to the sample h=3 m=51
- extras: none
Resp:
h=4 m=9
